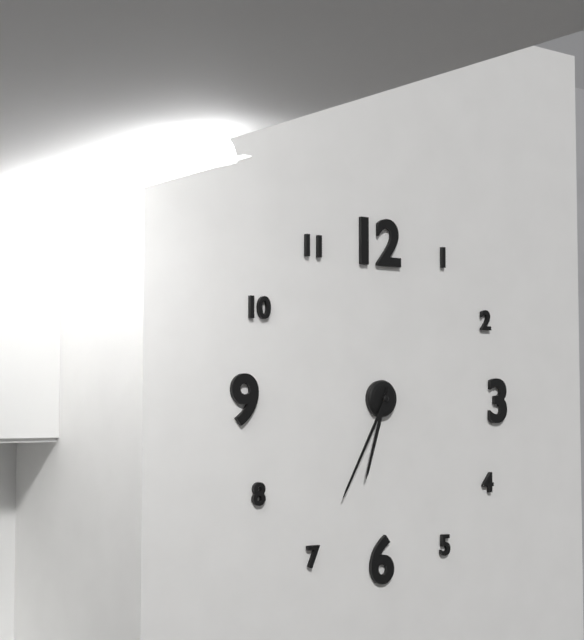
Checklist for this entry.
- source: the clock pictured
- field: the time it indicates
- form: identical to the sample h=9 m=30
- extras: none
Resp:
h=6 m=35
